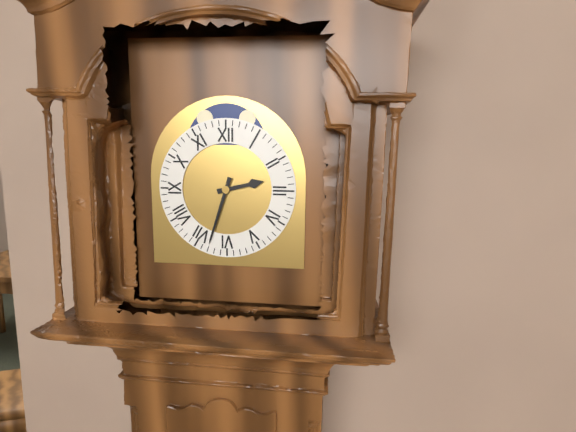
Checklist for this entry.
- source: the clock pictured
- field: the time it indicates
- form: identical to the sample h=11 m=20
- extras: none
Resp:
h=2 m=33
